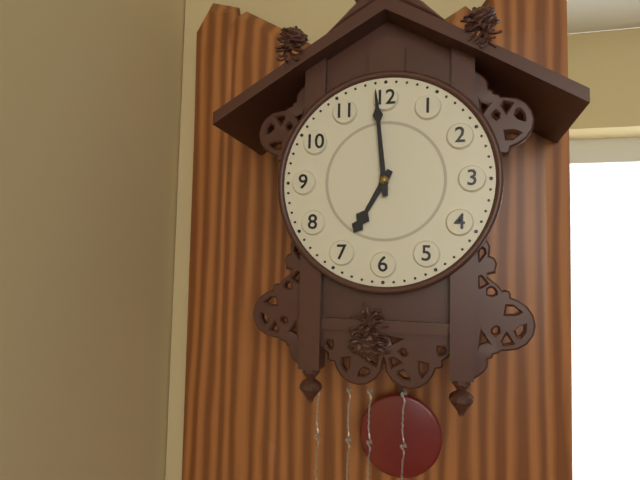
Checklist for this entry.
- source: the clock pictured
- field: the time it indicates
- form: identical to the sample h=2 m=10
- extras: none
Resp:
h=6 m=59
